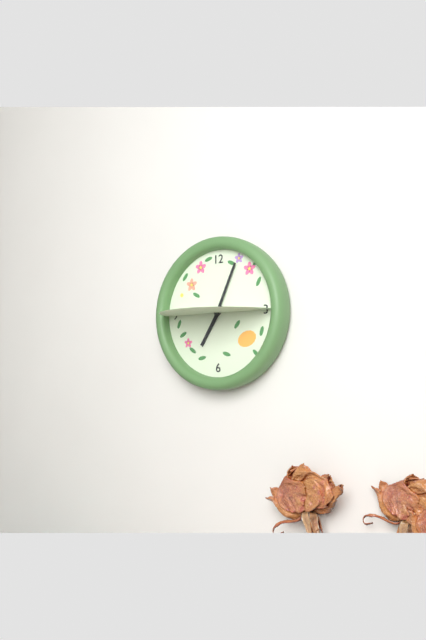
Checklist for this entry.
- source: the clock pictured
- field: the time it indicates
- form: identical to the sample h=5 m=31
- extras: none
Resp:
h=7 m=4
